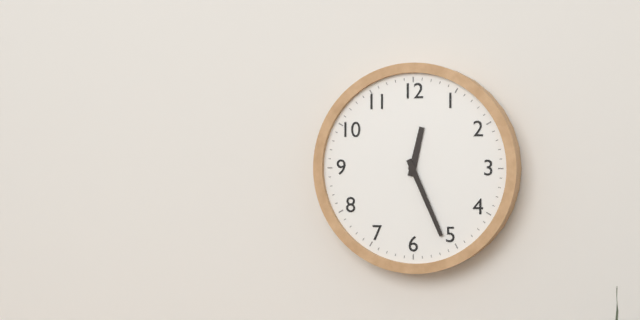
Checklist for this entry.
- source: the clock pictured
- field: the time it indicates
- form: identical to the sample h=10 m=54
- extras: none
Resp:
h=12 m=26
